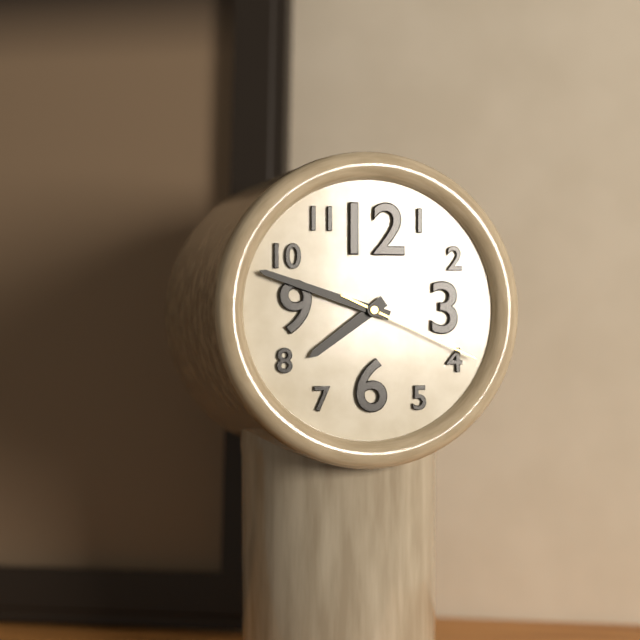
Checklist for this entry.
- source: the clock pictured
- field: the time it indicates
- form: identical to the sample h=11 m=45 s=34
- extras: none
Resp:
h=7 m=48 s=19
